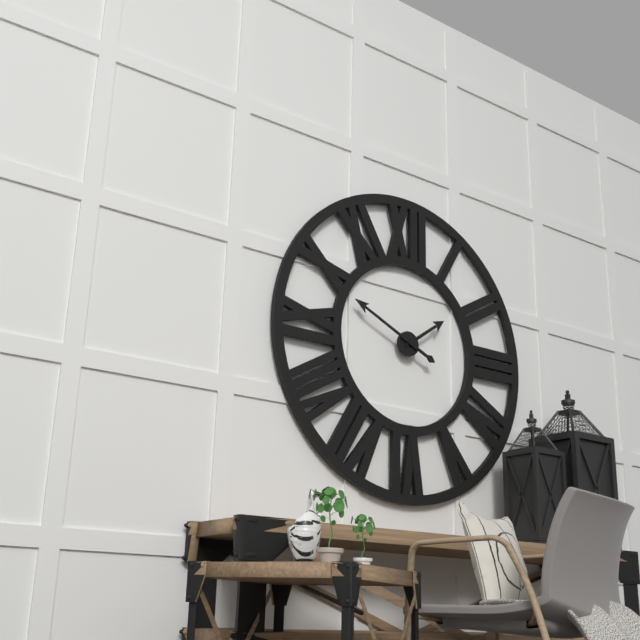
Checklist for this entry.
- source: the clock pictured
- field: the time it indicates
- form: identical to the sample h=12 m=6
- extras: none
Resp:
h=1 m=49
